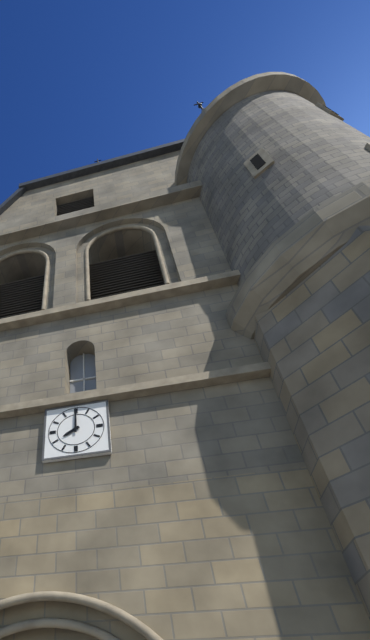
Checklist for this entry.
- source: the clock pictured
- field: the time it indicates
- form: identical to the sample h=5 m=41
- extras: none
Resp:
h=8 m=0
